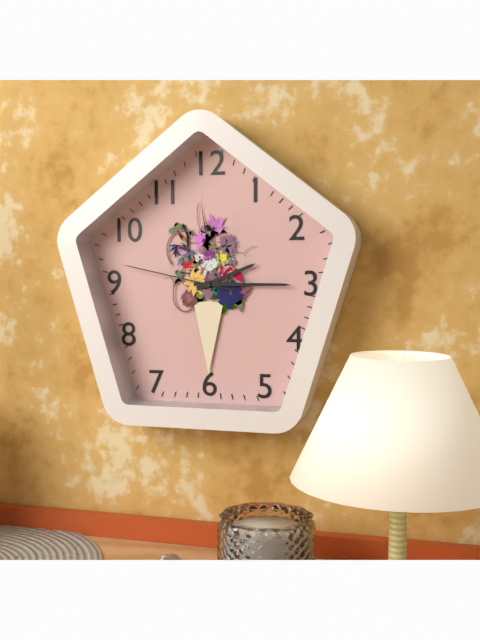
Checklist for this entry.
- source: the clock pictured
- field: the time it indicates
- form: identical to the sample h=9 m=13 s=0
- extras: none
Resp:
h=2 m=15 s=47
